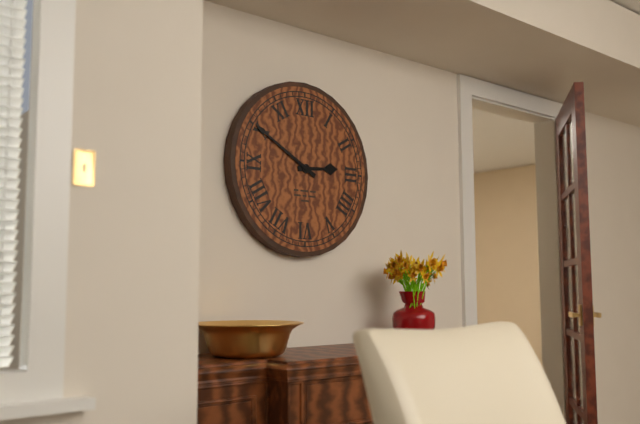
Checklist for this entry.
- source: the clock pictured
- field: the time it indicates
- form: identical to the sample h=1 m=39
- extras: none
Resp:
h=2 m=50
